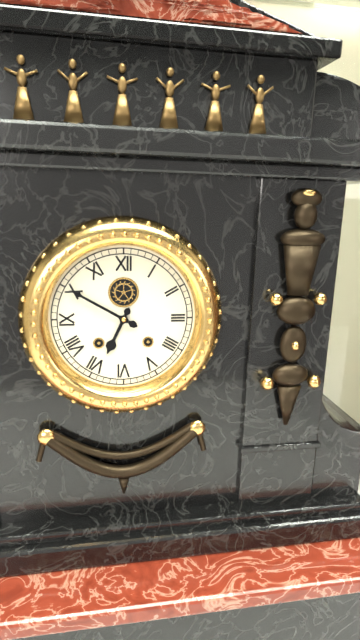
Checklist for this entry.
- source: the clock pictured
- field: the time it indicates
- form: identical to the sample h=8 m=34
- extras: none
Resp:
h=6 m=50
